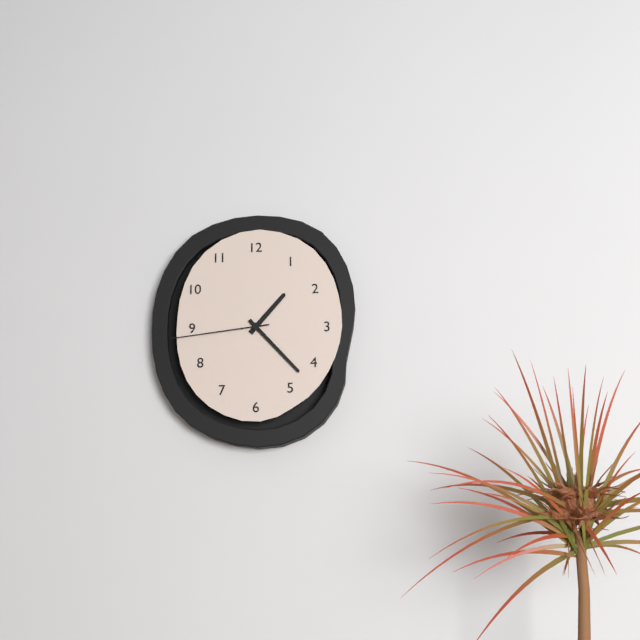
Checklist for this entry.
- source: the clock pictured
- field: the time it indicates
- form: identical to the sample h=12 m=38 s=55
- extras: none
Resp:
h=1 m=23 s=44
